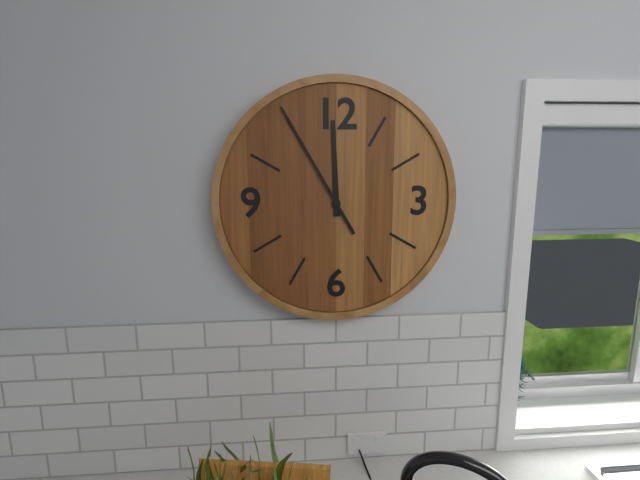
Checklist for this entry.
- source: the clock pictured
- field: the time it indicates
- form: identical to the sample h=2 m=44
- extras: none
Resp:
h=11 m=55
